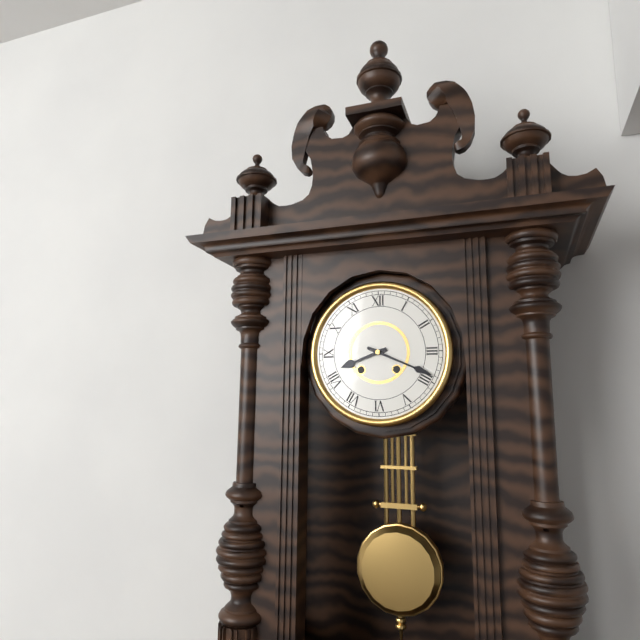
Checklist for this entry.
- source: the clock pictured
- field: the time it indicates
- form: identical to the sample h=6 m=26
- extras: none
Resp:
h=8 m=19
